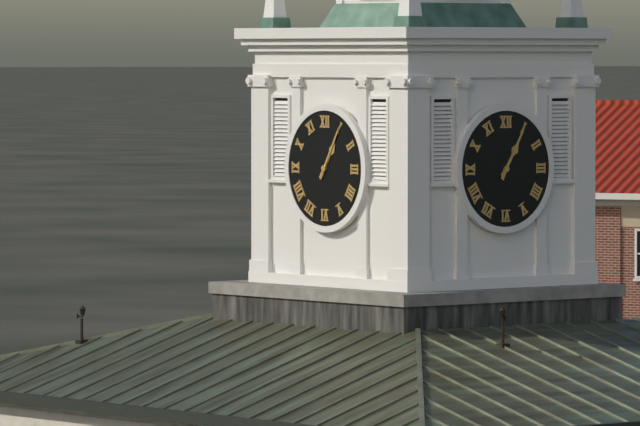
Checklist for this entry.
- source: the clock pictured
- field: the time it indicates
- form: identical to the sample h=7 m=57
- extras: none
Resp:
h=1 m=5
